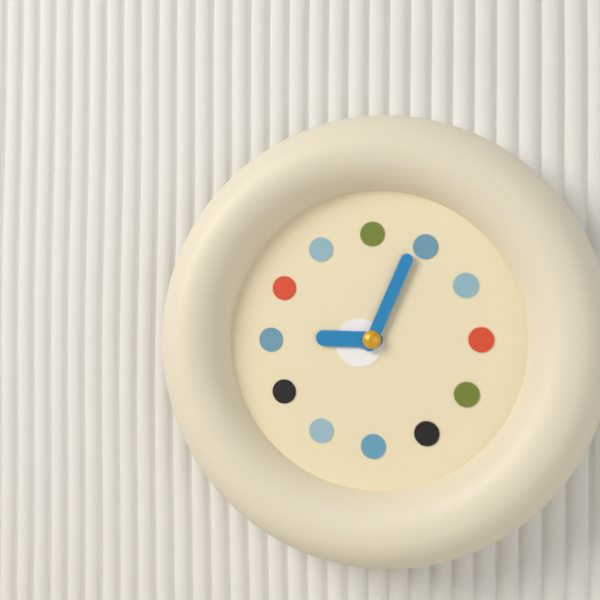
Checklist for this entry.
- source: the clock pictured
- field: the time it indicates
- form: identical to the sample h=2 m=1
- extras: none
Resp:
h=9 m=4
